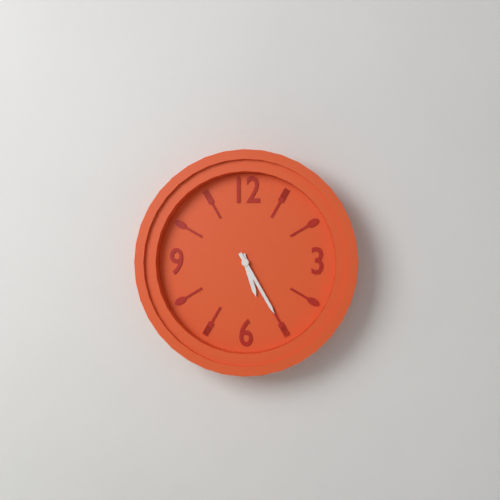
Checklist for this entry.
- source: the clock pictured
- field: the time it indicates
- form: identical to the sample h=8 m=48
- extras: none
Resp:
h=5 m=25
